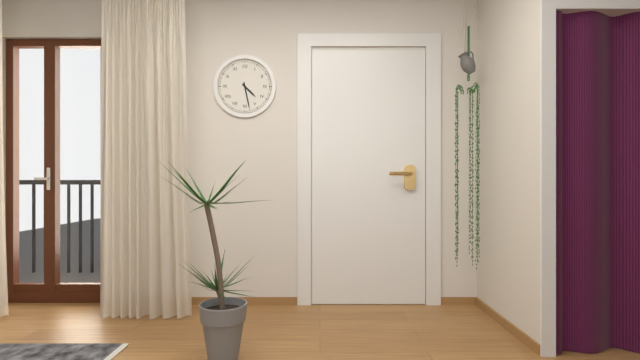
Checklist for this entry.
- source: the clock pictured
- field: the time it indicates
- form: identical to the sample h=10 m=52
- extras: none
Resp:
h=4 m=28
